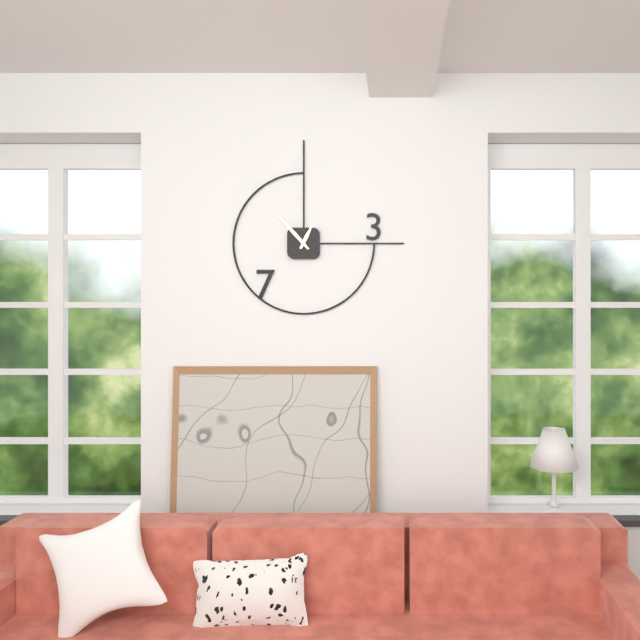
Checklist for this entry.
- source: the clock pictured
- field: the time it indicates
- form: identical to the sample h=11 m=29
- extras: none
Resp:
h=12 m=53
